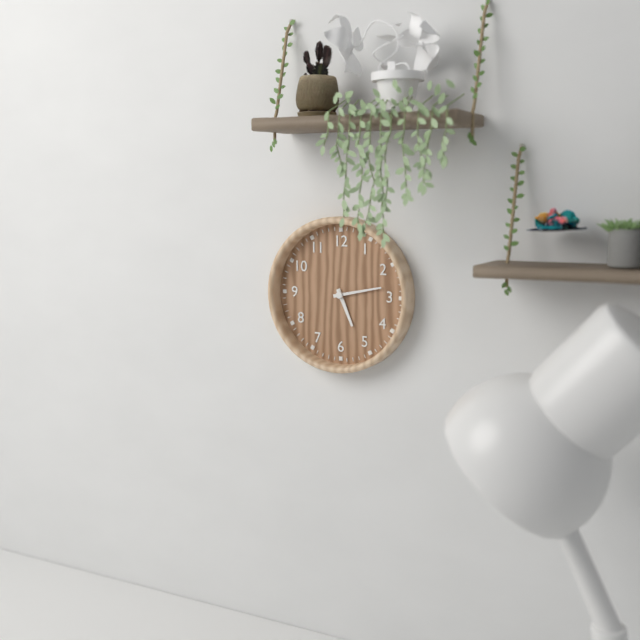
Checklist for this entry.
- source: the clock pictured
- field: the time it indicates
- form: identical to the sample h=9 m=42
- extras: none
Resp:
h=5 m=13
